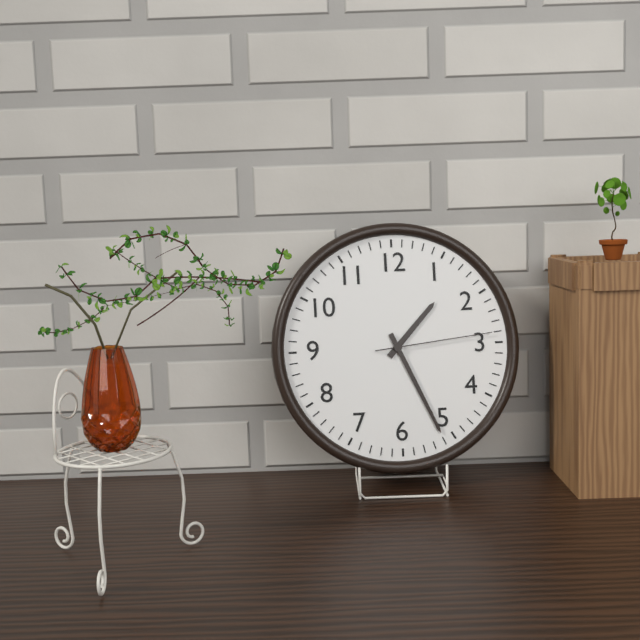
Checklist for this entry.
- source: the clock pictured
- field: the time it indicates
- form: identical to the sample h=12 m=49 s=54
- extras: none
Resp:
h=1 m=26 s=14
